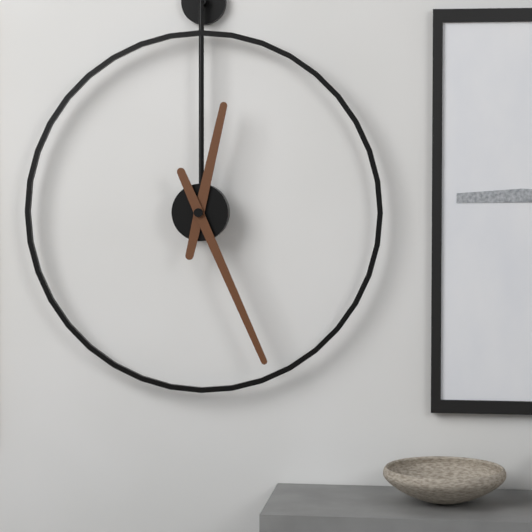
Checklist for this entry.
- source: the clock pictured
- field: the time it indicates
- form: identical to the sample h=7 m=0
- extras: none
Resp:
h=12 m=26
